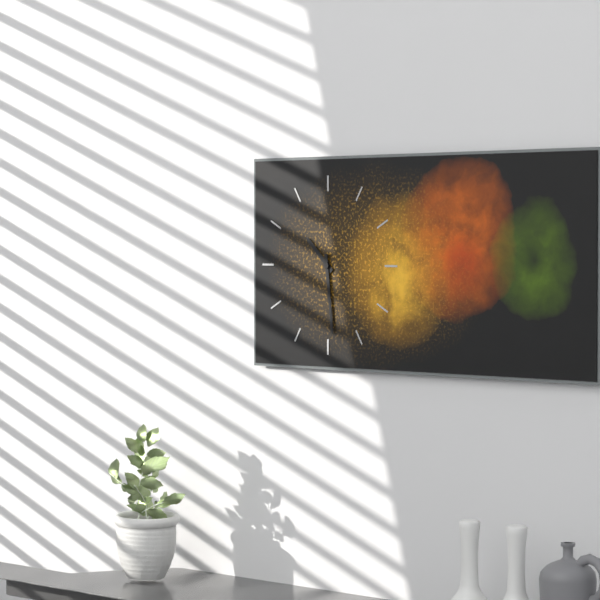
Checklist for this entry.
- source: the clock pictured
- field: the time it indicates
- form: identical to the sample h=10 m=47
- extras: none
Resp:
h=10 m=29
